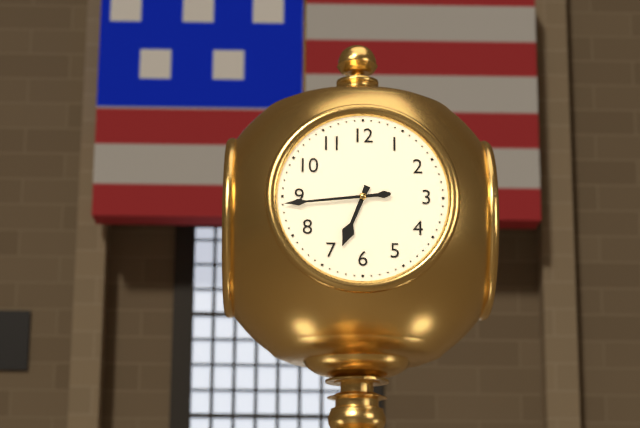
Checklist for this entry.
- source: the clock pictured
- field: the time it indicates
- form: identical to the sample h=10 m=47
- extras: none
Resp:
h=6 m=44
